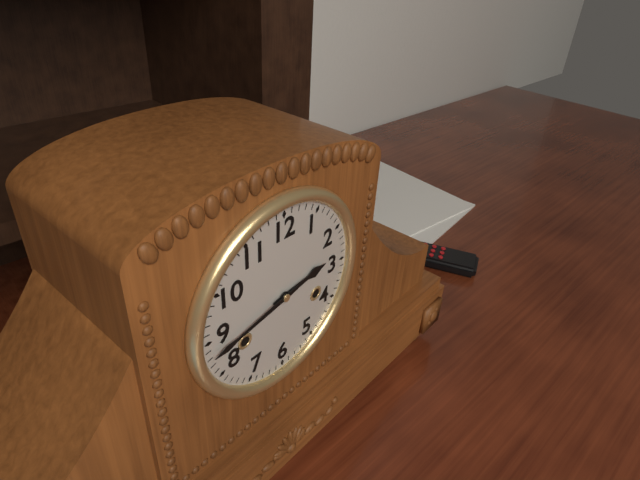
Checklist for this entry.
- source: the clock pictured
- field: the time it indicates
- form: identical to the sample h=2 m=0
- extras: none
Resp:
h=2 m=43
